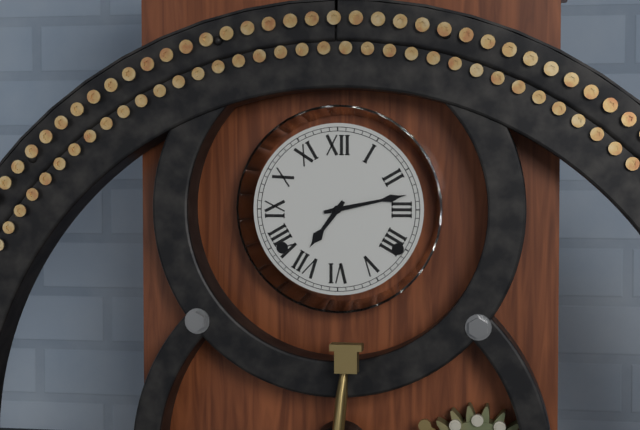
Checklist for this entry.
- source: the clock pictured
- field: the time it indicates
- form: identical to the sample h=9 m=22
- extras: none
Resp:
h=7 m=13
